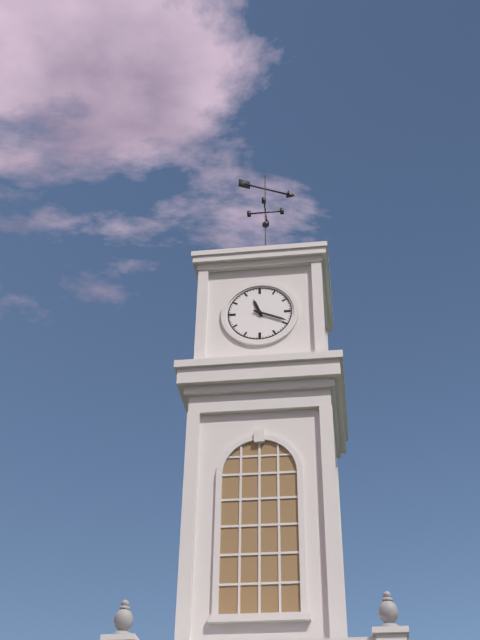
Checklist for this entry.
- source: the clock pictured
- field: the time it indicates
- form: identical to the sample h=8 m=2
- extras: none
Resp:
h=11 m=19
